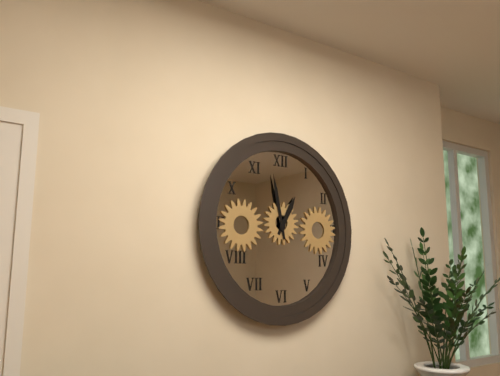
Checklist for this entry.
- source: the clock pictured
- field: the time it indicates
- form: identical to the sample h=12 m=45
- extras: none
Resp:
h=12 m=58
